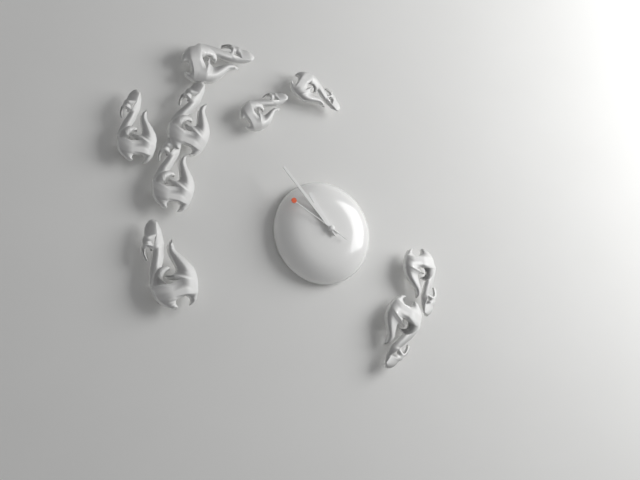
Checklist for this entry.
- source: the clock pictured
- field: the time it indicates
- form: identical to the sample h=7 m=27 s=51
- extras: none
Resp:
h=10 m=53 s=50
